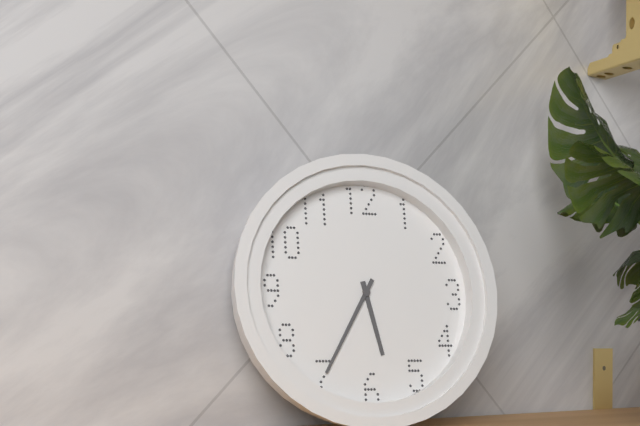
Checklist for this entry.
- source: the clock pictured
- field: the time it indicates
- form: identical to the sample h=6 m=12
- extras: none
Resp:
h=5 m=35
